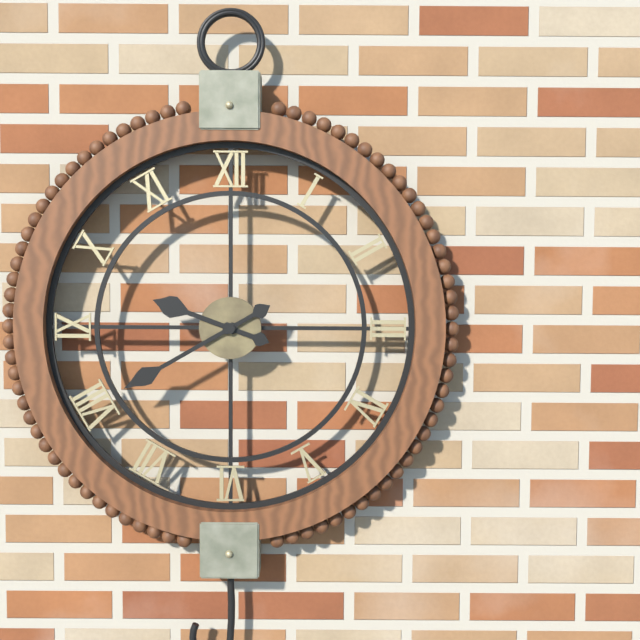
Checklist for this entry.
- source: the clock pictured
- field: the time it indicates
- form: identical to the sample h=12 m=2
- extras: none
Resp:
h=9 m=40
